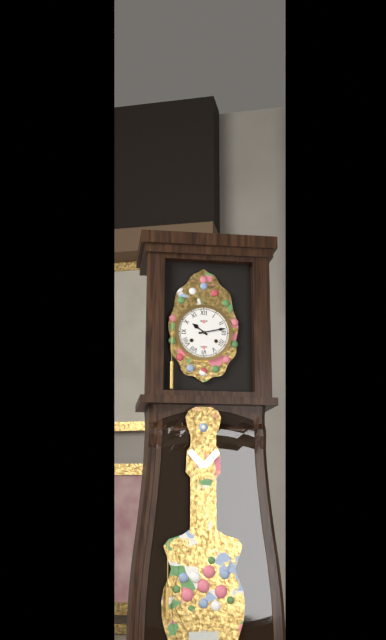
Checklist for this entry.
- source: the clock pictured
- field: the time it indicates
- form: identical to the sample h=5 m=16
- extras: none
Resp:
h=10 m=13
